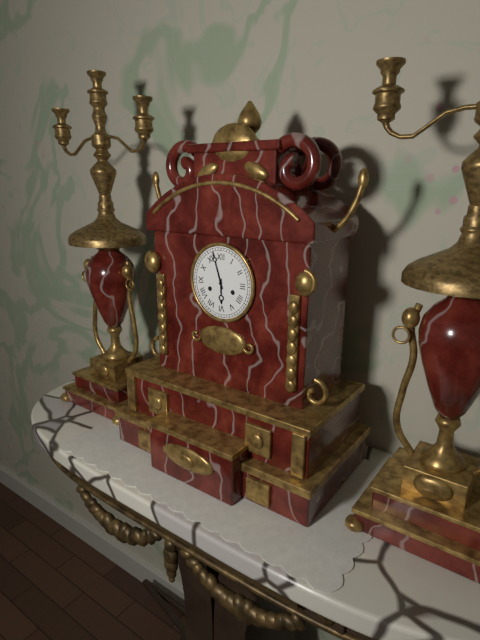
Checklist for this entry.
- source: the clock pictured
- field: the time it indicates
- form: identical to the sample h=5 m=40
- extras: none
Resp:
h=5 m=57
